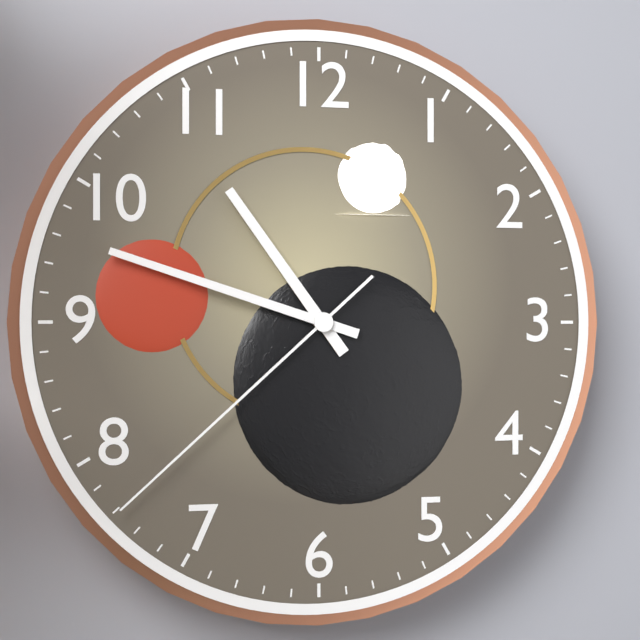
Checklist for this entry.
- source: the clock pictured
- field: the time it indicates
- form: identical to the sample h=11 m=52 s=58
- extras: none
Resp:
h=10 m=48 s=38
